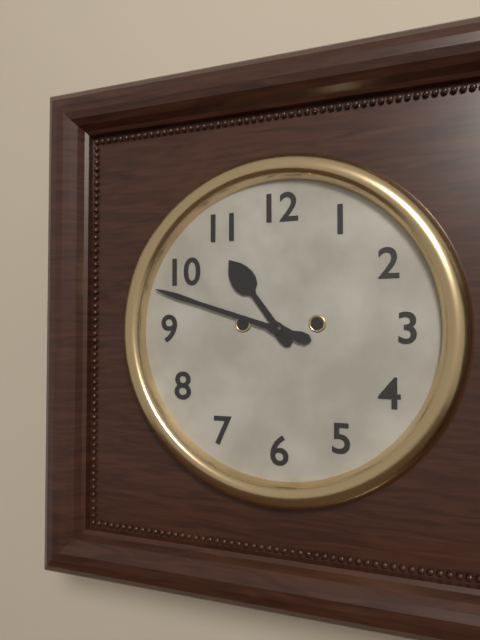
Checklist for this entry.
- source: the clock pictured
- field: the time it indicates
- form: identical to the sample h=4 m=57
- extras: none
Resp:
h=10 m=48
